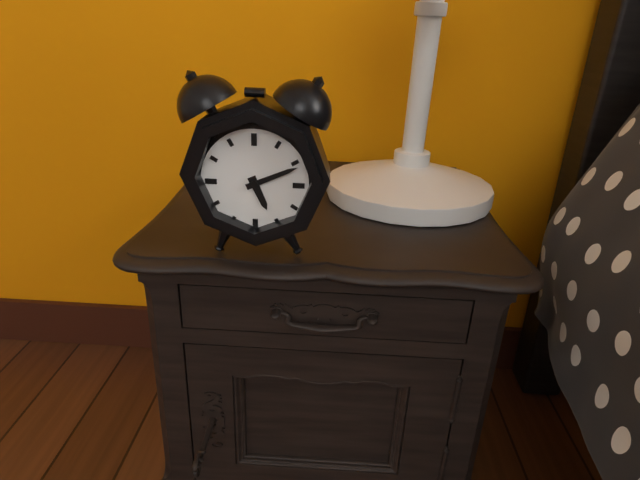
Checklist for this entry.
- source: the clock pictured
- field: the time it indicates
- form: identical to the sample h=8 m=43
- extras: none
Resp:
h=5 m=11
